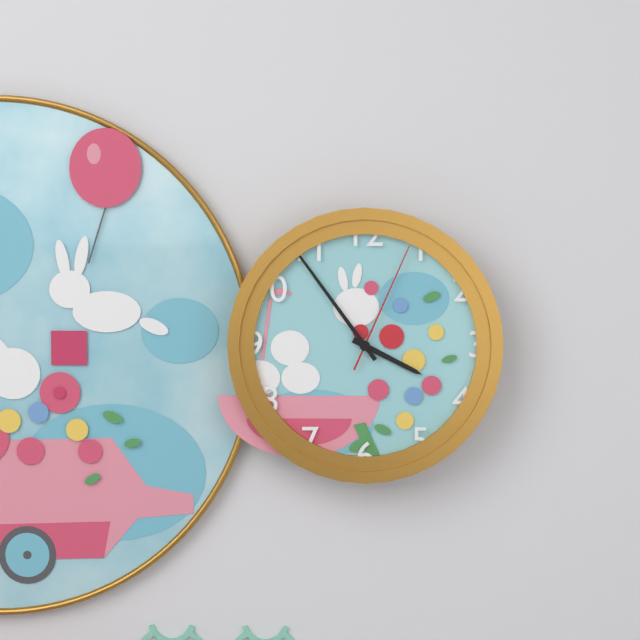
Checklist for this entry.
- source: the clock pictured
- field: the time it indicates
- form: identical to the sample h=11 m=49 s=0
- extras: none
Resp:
h=3 m=54 s=4
